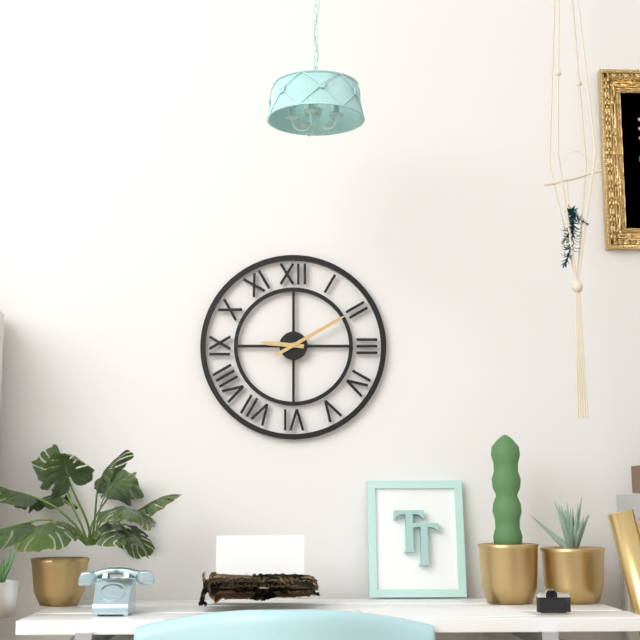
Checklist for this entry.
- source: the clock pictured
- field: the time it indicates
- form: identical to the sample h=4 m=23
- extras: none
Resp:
h=9 m=10
